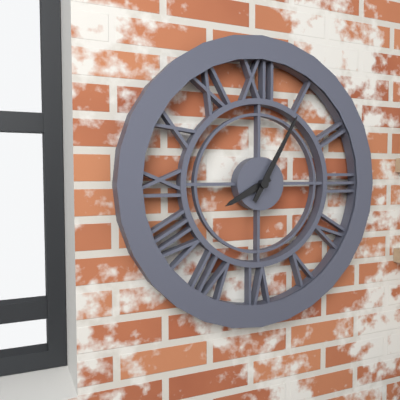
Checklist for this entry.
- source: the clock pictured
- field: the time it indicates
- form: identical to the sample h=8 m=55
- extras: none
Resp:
h=8 m=5
